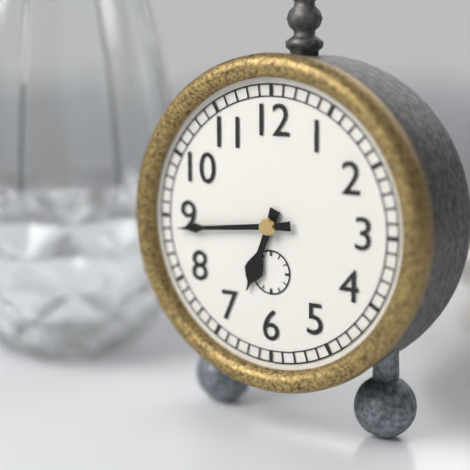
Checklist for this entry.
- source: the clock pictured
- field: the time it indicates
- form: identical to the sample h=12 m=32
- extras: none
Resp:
h=6 m=44
